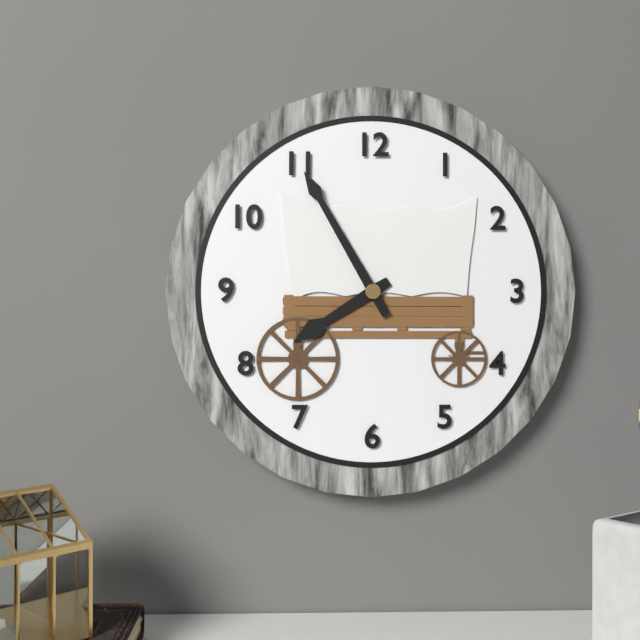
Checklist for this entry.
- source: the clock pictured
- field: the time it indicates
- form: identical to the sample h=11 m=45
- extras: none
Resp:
h=7 m=55
